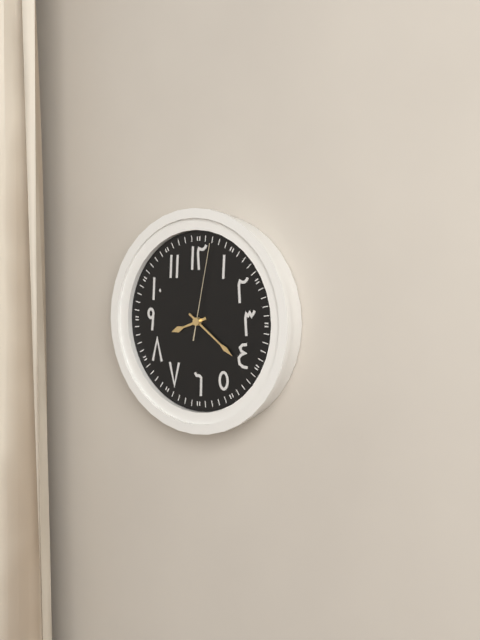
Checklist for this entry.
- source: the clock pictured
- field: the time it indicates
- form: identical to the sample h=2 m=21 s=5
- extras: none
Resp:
h=8 m=21 s=2
